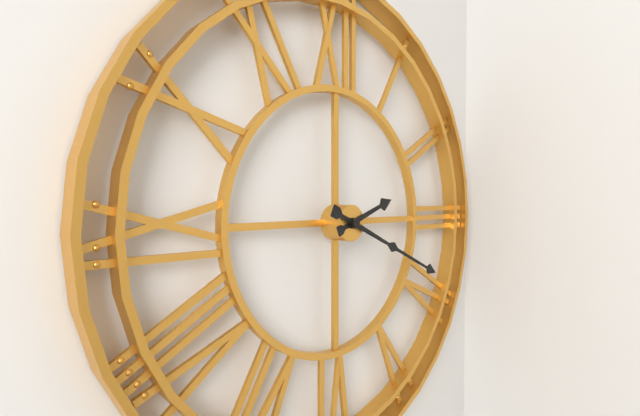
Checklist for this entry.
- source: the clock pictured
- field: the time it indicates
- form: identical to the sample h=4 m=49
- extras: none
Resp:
h=2 m=19
